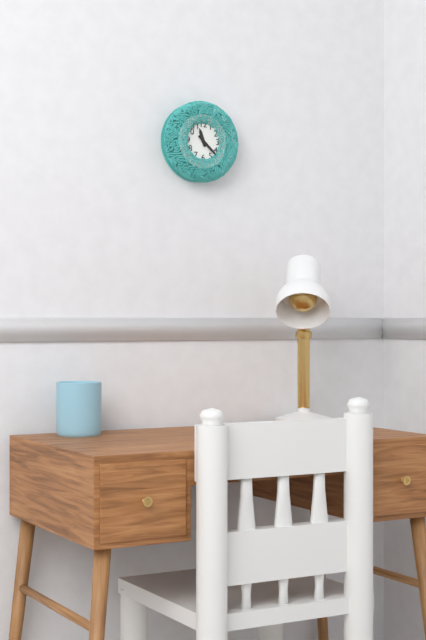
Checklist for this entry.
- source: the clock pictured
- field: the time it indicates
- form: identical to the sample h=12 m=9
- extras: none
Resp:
h=11 m=22
